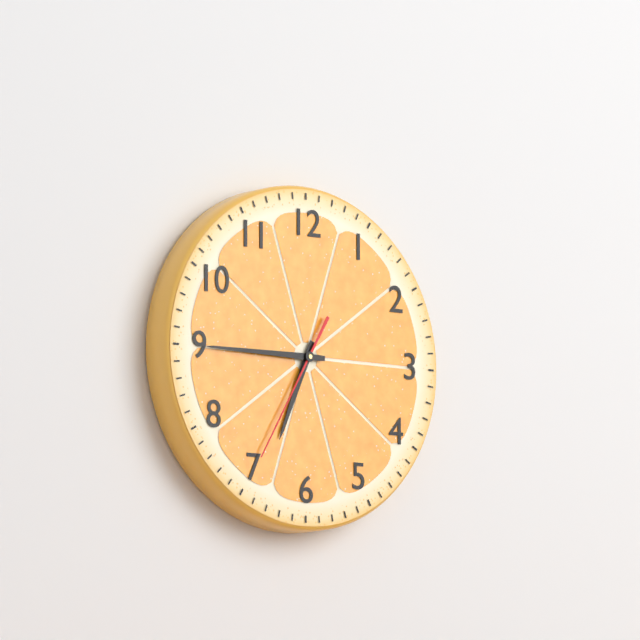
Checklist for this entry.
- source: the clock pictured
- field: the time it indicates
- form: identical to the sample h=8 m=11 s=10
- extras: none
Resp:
h=6 m=45 s=35
